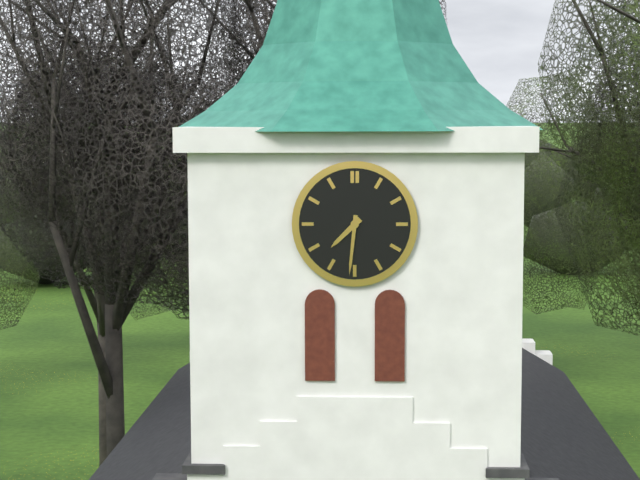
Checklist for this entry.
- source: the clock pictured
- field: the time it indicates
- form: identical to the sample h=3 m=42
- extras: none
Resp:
h=7 m=31
